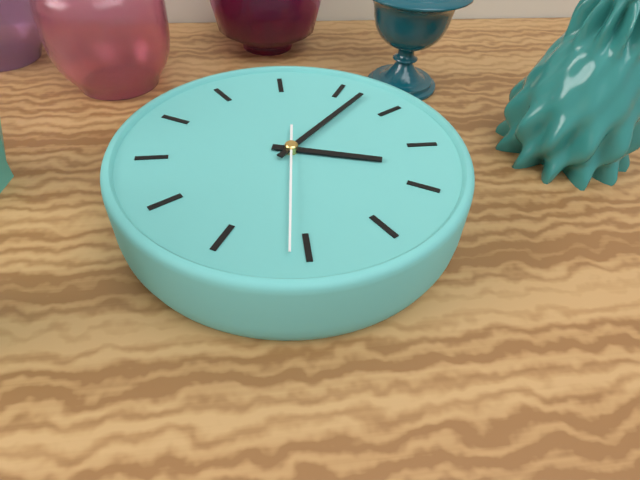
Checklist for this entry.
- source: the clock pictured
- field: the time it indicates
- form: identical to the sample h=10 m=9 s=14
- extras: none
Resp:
h=8 m=32 s=56
